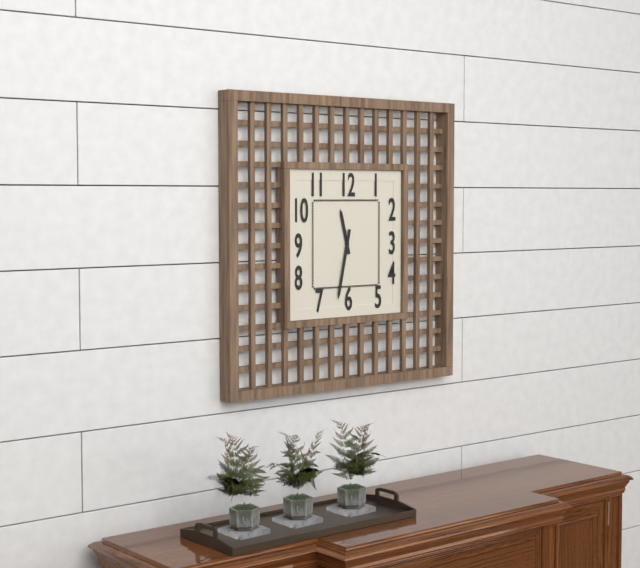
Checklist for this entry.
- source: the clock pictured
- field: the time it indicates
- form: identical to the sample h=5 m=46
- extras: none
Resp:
h=11 m=32
